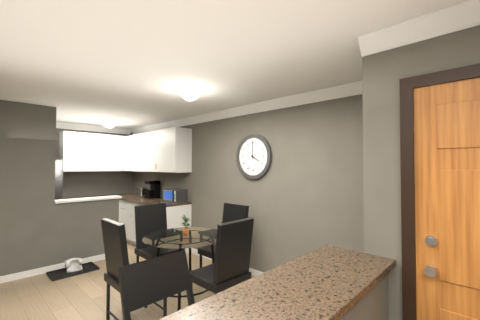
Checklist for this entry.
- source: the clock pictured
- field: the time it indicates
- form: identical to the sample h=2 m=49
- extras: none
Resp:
h=4 m=0
